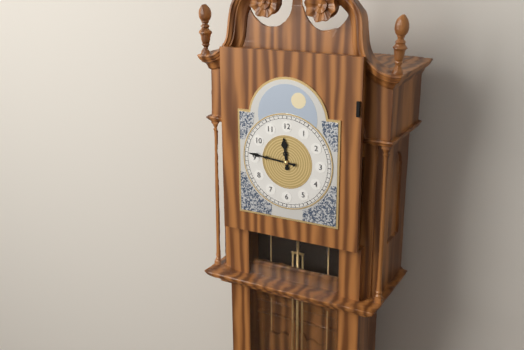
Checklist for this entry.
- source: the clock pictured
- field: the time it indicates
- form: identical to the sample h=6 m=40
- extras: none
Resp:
h=11 m=46
